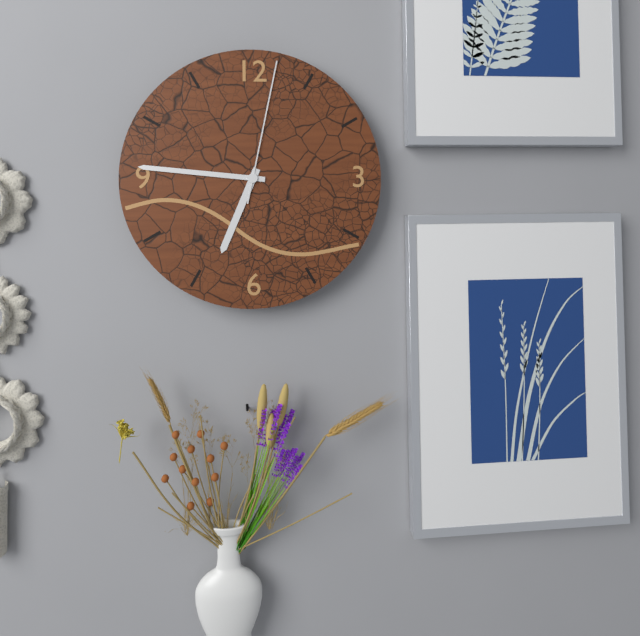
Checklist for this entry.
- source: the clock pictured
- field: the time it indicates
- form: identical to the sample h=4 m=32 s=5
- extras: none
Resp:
h=6 m=46 s=2
